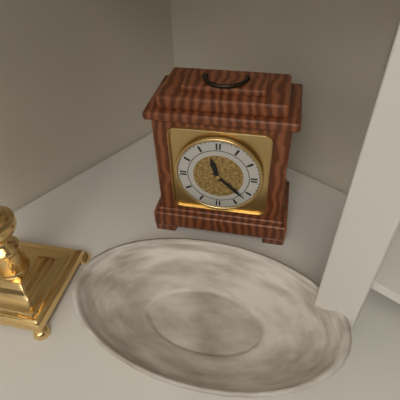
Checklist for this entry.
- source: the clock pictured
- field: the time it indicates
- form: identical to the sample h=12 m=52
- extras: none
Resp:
h=11 m=22
